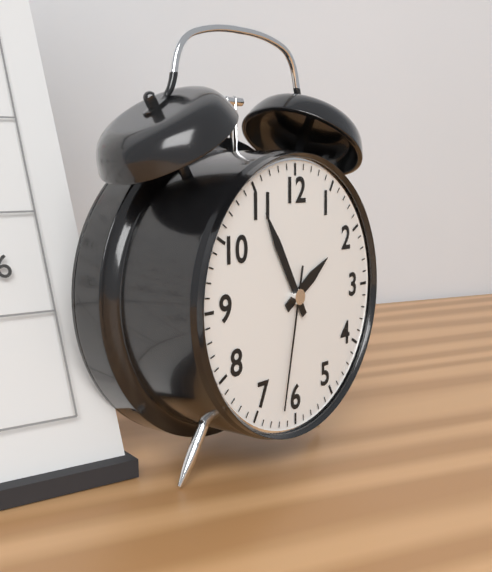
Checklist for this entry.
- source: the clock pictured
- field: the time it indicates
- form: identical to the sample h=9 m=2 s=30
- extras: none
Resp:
h=1 m=55 s=32
